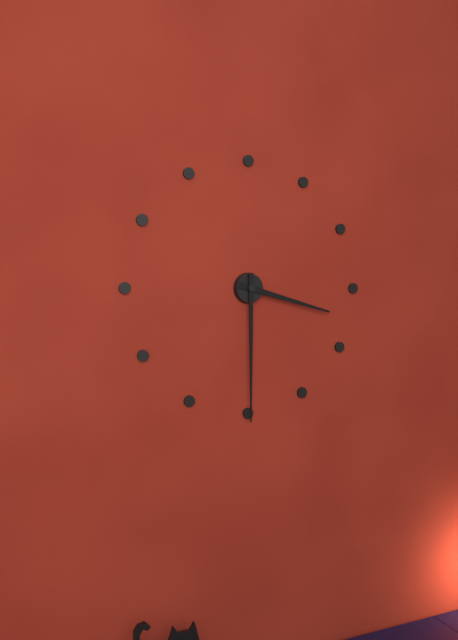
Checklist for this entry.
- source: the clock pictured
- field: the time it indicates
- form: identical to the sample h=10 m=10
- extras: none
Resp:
h=3 m=30
